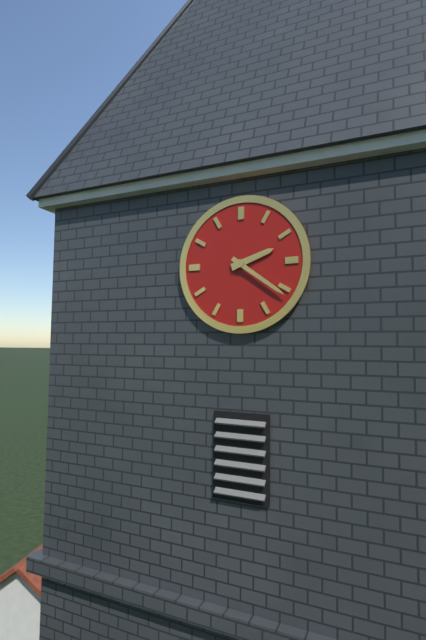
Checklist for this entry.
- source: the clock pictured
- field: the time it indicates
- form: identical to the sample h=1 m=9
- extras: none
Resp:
h=2 m=21
